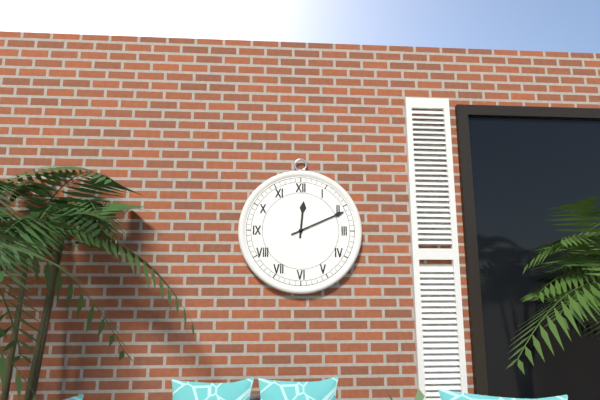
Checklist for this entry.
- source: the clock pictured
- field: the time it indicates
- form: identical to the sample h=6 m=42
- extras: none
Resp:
h=12 m=11
